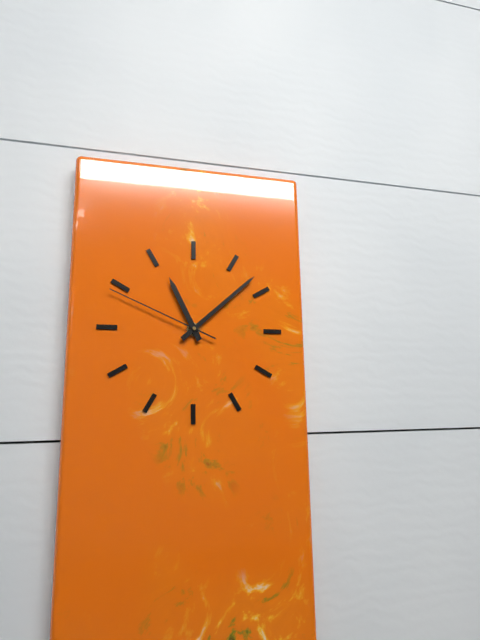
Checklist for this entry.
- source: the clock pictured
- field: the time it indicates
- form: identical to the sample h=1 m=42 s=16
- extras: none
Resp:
h=11 m=8 s=49
